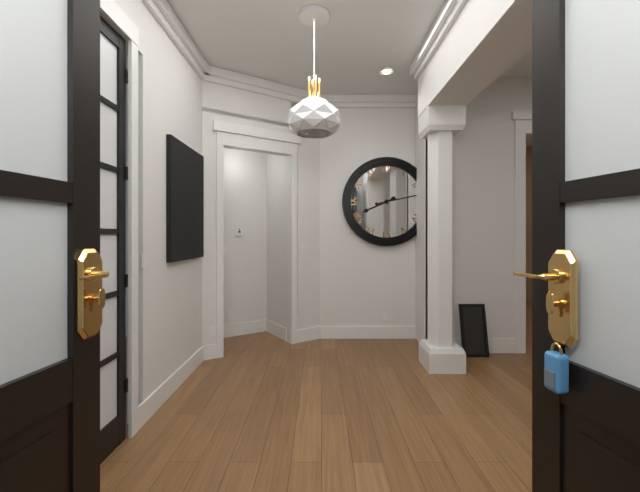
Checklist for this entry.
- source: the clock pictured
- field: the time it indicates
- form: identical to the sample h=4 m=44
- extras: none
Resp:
h=8 m=13
